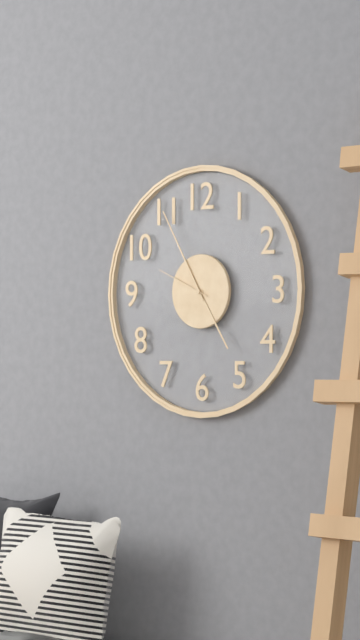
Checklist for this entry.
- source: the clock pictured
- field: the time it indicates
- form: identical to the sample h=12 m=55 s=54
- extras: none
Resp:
h=4 m=55 s=49
